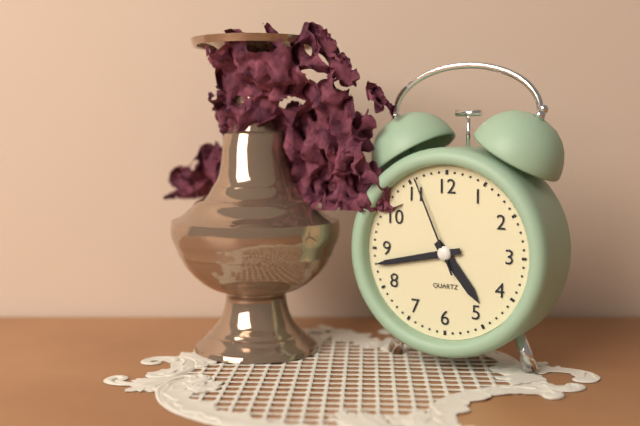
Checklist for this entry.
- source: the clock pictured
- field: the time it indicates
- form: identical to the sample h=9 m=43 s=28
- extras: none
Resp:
h=4 m=43 s=56
